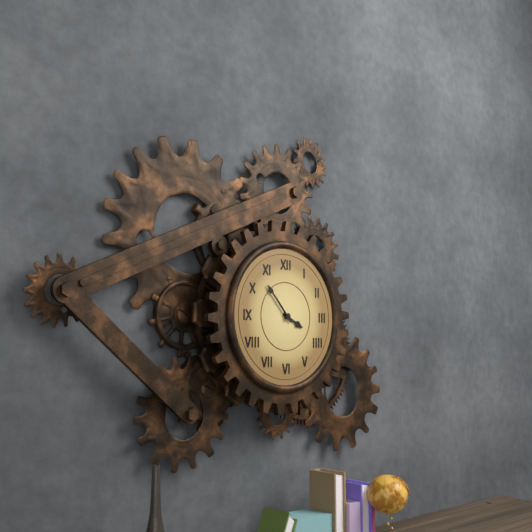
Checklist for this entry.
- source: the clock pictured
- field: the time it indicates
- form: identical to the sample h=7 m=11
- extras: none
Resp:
h=3 m=53
